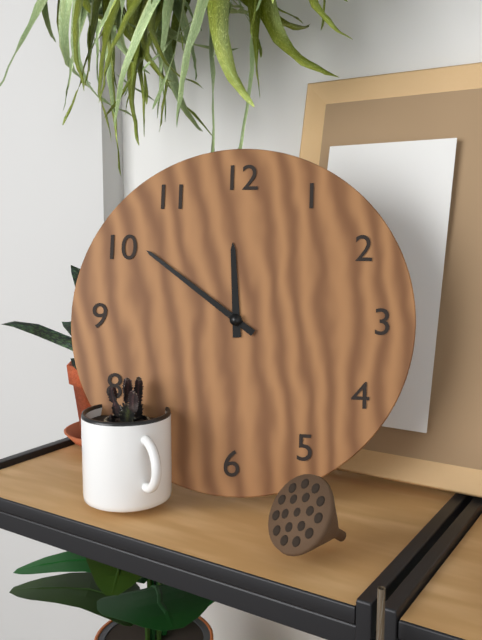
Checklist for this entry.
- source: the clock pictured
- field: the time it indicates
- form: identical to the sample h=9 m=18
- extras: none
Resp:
h=11 m=51
